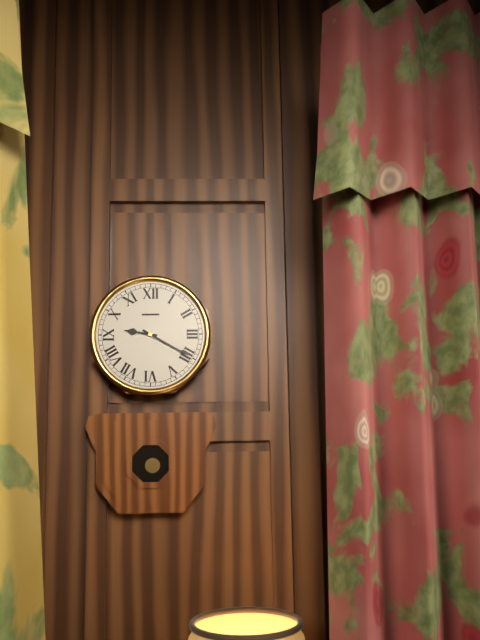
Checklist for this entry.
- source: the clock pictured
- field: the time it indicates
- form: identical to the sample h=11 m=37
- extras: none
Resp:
h=9 m=20
